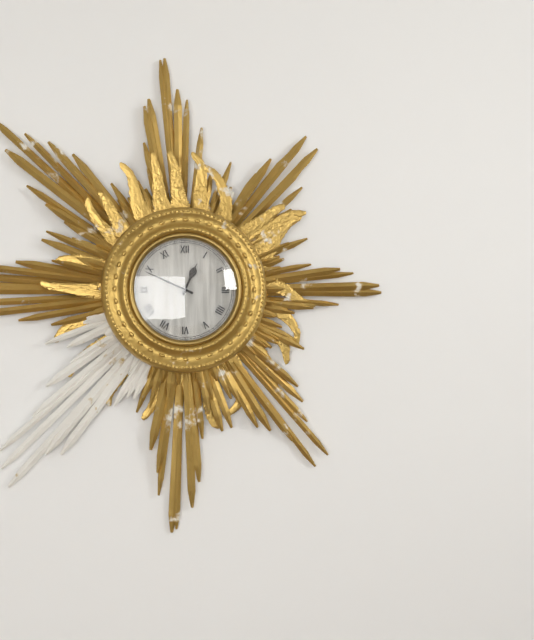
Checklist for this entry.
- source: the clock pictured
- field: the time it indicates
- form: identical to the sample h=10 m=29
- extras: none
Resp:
h=12 m=49
